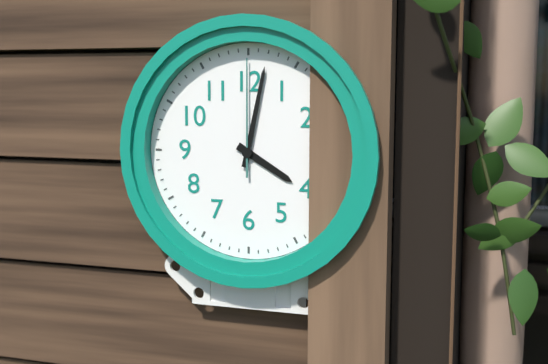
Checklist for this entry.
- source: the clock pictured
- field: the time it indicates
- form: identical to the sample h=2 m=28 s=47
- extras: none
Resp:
h=4 m=2 s=0
